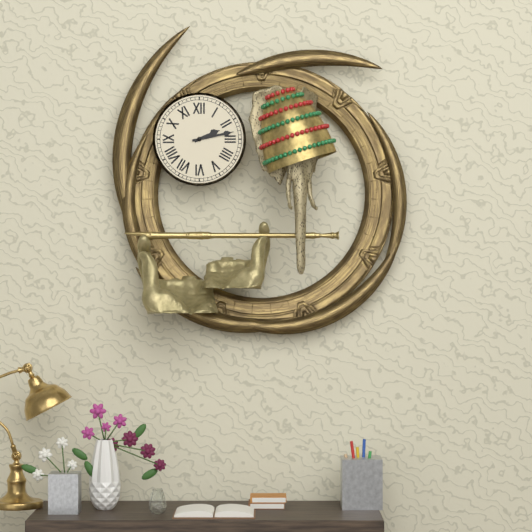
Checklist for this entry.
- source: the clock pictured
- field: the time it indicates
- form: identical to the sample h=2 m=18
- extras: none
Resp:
h=2 m=13
